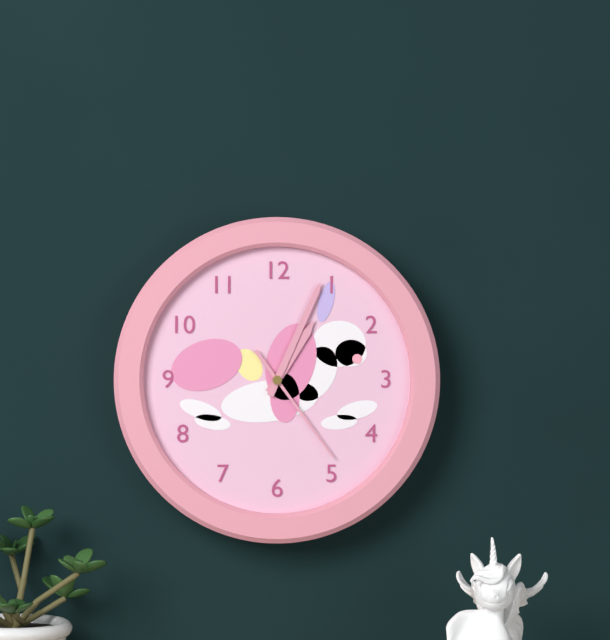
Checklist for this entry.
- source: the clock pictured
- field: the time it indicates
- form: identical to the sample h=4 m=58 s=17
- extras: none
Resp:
h=1 m=4 s=24
